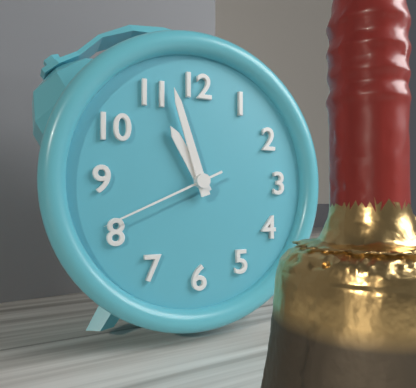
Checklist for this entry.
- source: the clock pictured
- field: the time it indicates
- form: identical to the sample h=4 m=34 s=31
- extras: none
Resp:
h=10 m=57 s=41
